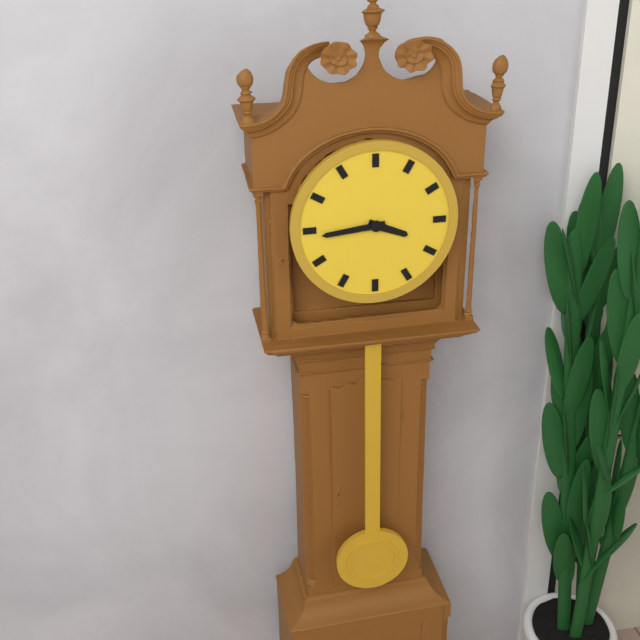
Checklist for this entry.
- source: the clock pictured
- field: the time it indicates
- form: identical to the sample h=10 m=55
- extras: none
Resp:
h=3 m=44
